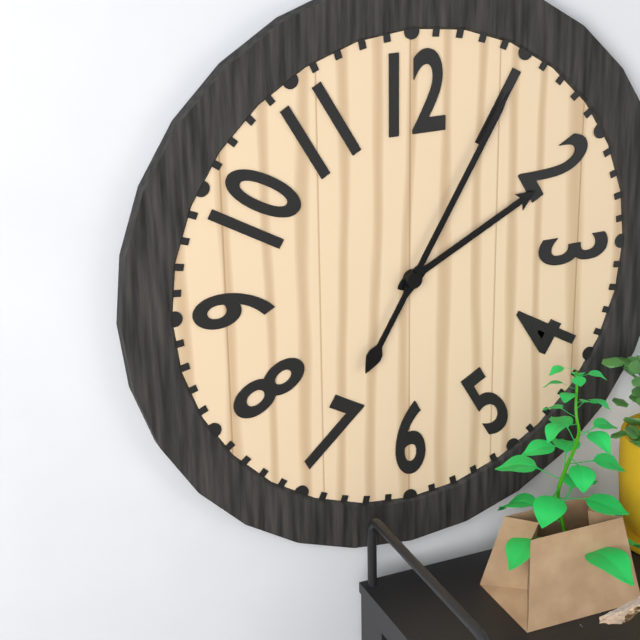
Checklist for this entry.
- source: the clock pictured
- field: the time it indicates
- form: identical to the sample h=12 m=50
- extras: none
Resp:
h=2 m=5
